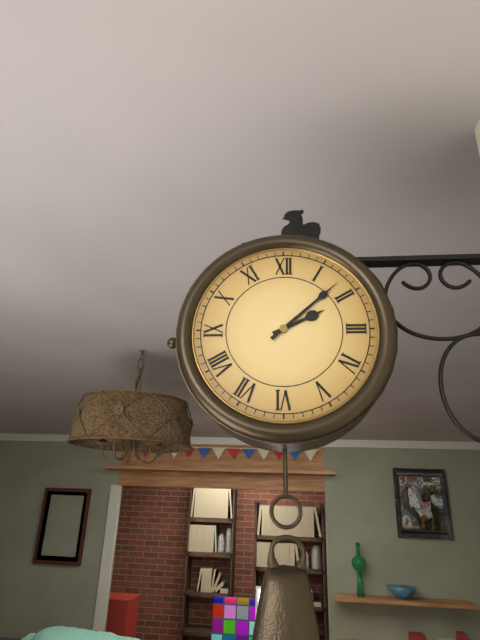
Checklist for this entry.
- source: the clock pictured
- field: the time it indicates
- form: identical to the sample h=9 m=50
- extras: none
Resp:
h=2 m=8
